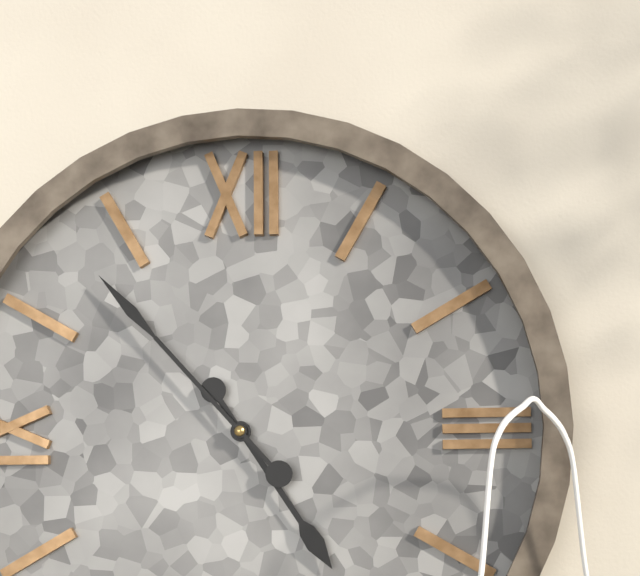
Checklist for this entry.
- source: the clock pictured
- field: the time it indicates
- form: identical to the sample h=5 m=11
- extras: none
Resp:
h=4 m=53
